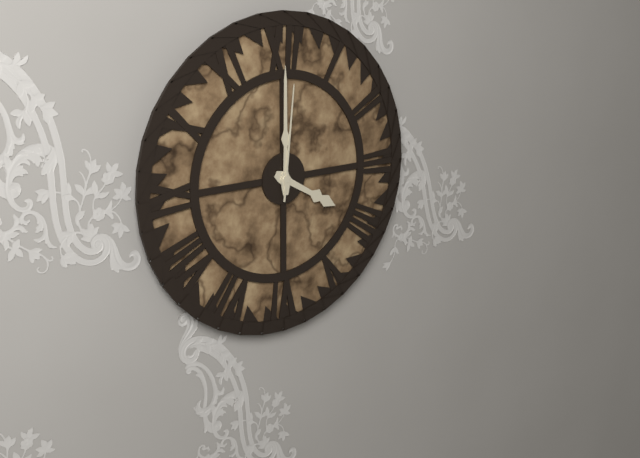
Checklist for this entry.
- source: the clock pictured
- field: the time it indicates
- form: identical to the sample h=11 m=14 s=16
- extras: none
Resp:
h=4 m=0 s=1
